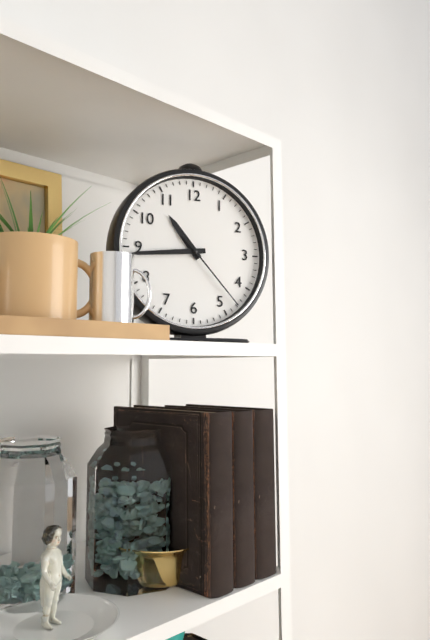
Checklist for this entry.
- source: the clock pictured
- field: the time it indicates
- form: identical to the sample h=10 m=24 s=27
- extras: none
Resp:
h=10 m=44 s=23
